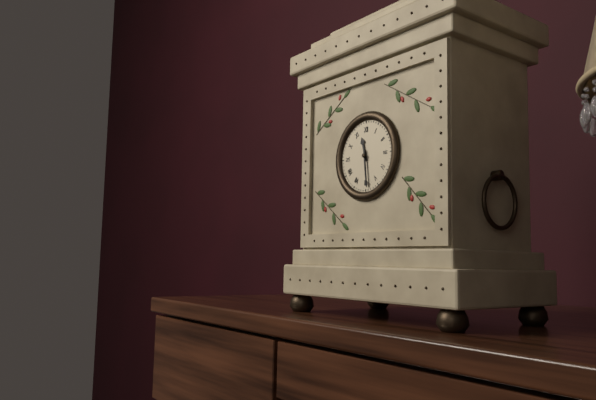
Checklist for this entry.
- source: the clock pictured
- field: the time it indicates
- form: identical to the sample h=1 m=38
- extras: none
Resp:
h=11 m=29
